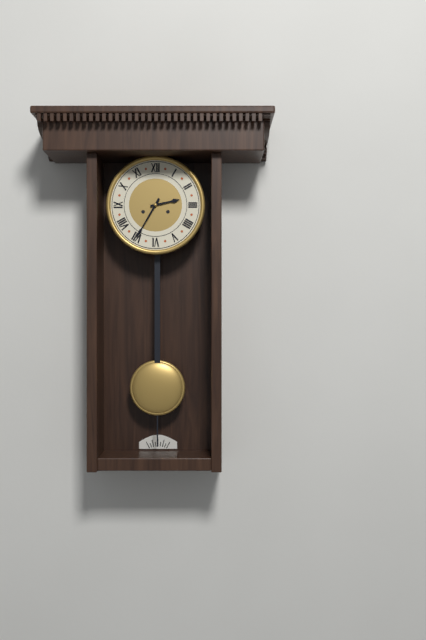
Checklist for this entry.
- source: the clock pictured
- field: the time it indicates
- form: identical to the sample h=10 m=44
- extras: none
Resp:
h=2 m=35
